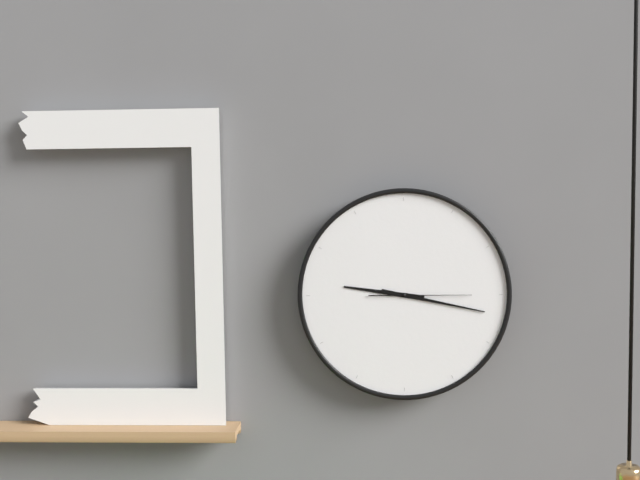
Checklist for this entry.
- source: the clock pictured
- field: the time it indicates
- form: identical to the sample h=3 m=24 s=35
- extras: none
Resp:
h=9 m=17 s=15
